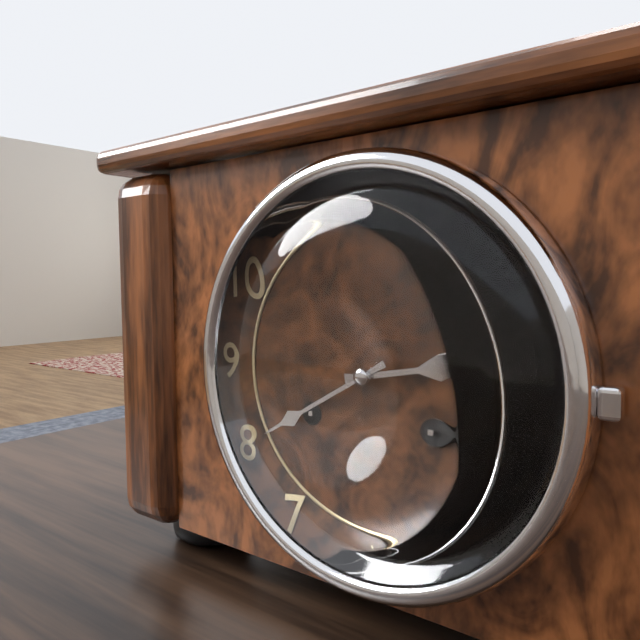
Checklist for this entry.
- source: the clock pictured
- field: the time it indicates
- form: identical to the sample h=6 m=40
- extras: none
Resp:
h=2 m=40
